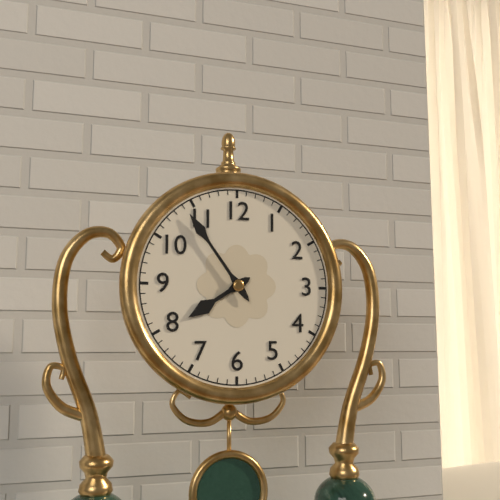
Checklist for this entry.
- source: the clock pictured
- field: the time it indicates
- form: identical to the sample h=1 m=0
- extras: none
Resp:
h=7 m=54
